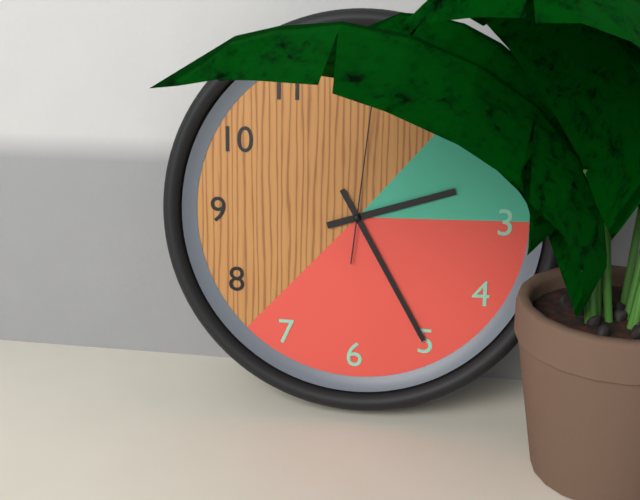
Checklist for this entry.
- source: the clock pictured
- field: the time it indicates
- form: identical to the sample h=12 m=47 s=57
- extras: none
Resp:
h=2 m=25 s=1
